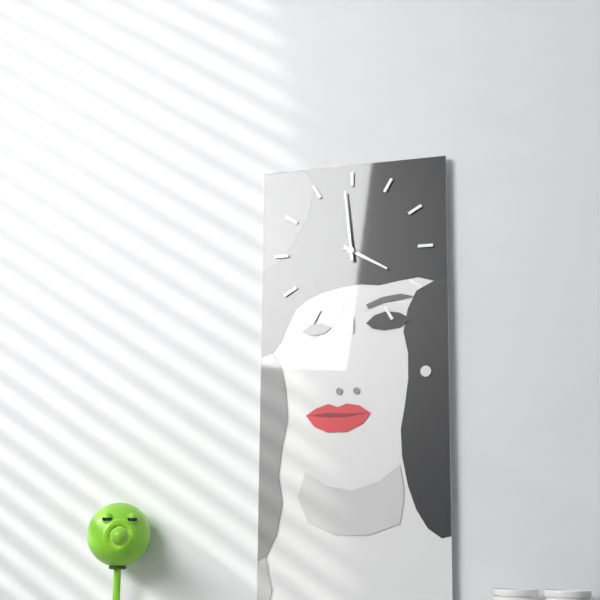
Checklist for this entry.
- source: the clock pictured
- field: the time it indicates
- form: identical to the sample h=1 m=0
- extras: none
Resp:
h=3 m=59
